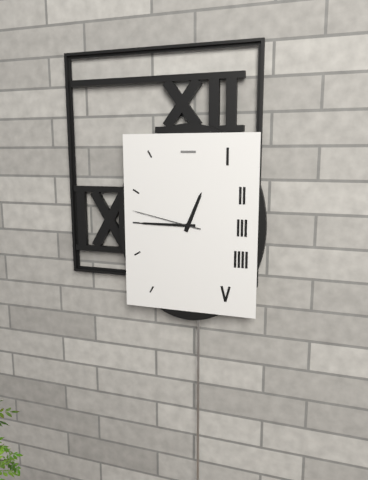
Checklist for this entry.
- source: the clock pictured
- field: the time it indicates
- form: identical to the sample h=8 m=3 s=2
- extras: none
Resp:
h=12 m=45 s=47
